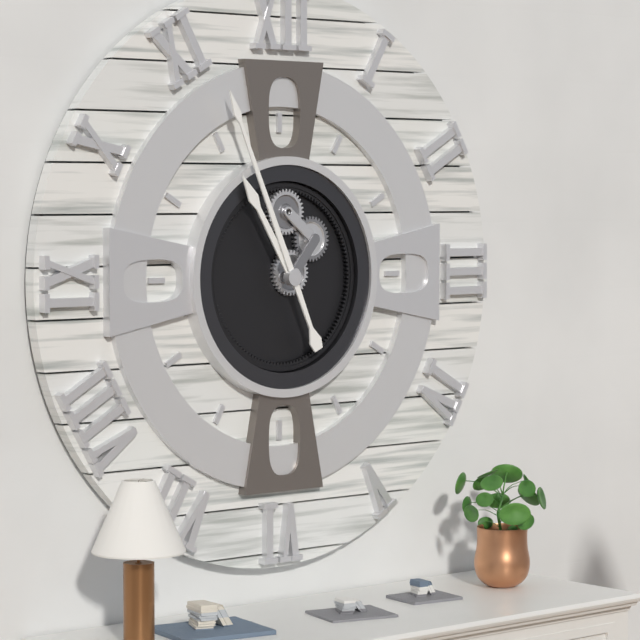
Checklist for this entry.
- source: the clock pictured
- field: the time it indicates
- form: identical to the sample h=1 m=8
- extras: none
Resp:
h=10 m=56
